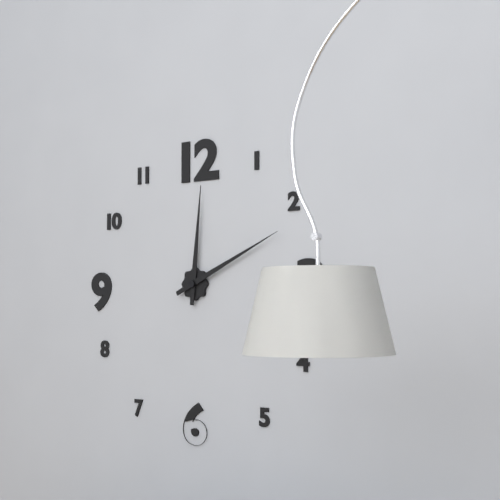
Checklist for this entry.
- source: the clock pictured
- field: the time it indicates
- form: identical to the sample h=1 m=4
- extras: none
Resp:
h=12 m=11
